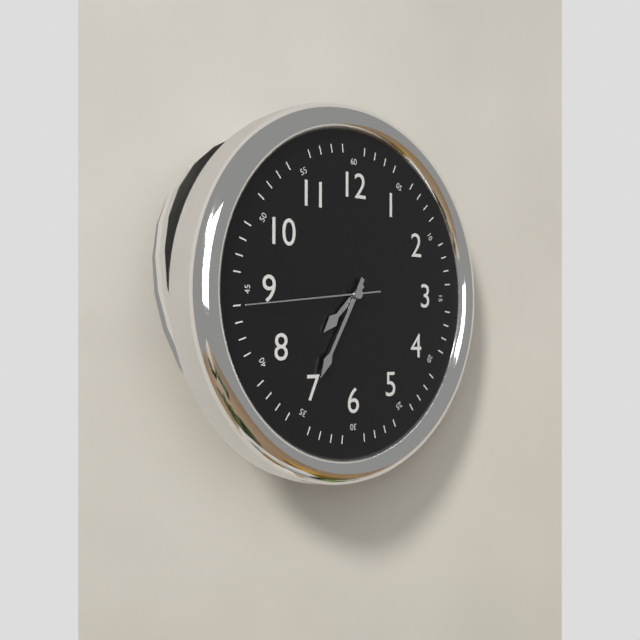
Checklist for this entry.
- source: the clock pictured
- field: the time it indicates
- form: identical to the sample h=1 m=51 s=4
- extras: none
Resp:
h=7 m=35 s=44
